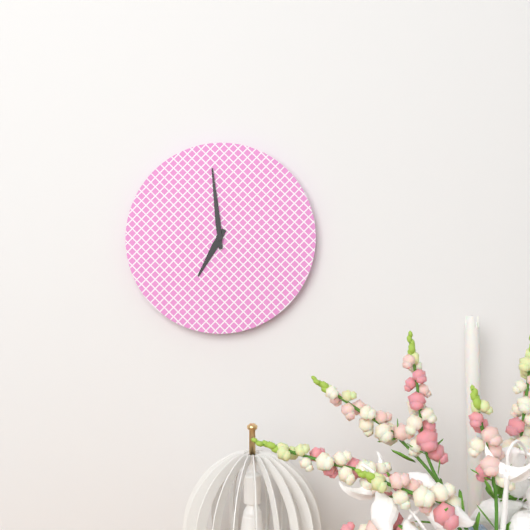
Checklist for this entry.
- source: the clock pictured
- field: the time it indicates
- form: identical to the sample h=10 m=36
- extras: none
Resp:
h=6 m=59
